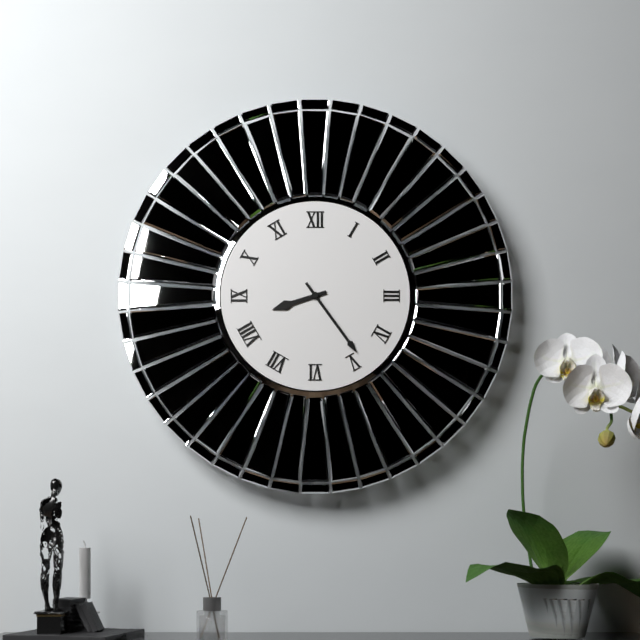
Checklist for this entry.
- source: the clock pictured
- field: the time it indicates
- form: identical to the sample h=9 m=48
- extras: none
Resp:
h=8 m=24
